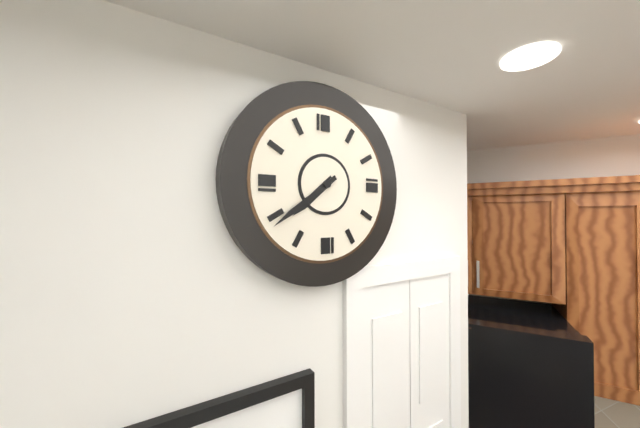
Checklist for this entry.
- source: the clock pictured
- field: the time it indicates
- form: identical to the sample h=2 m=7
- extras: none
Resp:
h=7 m=39
